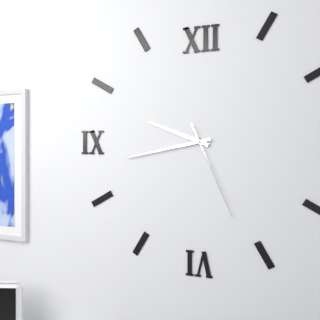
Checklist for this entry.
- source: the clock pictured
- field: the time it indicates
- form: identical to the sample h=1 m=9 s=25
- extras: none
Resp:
h=9 m=43 s=26
